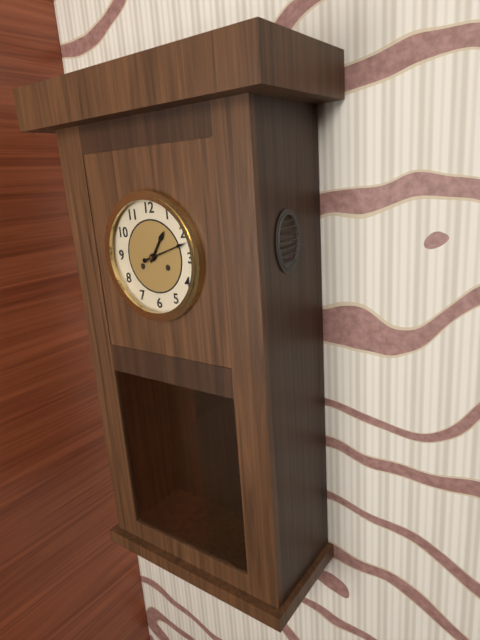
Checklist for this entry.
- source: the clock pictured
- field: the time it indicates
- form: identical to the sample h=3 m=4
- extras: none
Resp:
h=1 m=12
